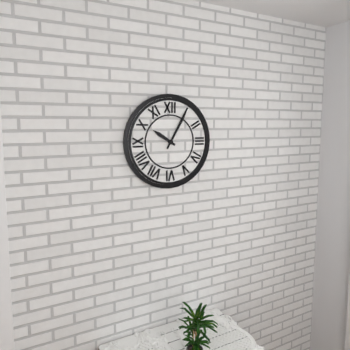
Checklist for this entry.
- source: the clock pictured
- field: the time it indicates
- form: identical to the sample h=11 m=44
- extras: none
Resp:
h=10 m=5
